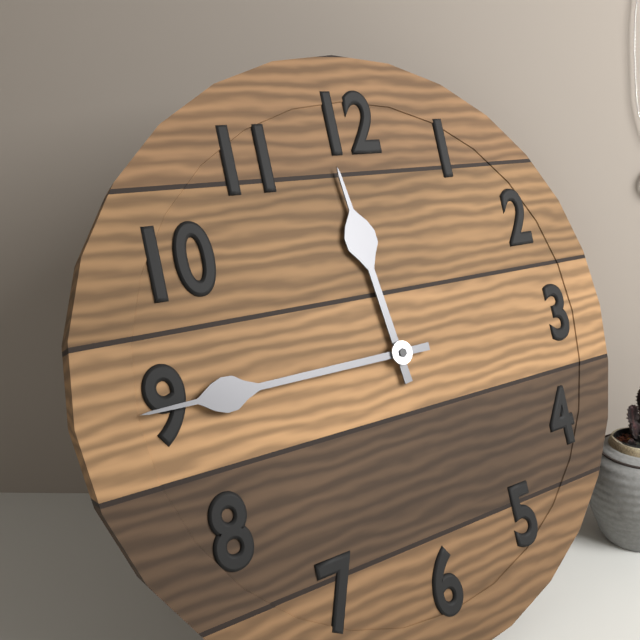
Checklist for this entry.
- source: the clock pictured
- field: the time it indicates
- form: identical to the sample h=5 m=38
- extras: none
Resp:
h=11 m=45
